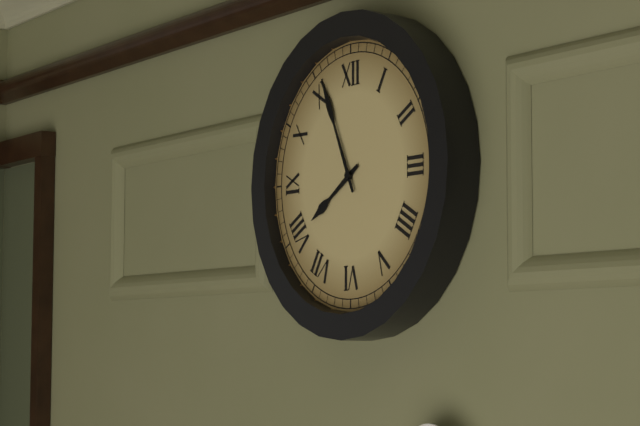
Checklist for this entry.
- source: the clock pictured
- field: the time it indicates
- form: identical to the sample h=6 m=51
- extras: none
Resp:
h=7 m=56
